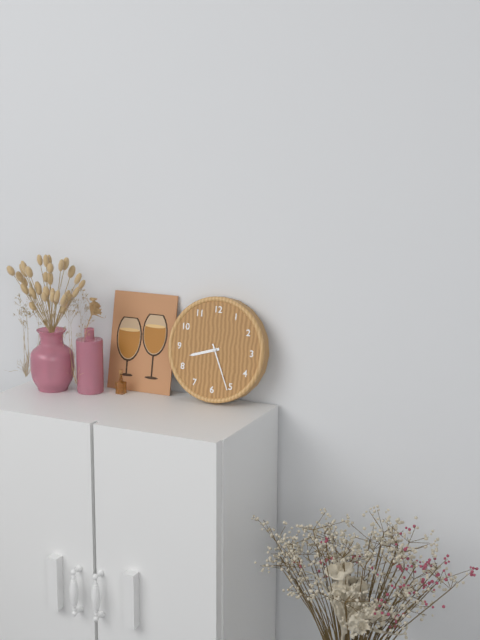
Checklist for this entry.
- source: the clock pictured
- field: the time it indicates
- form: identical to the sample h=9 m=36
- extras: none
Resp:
h=8 m=26
